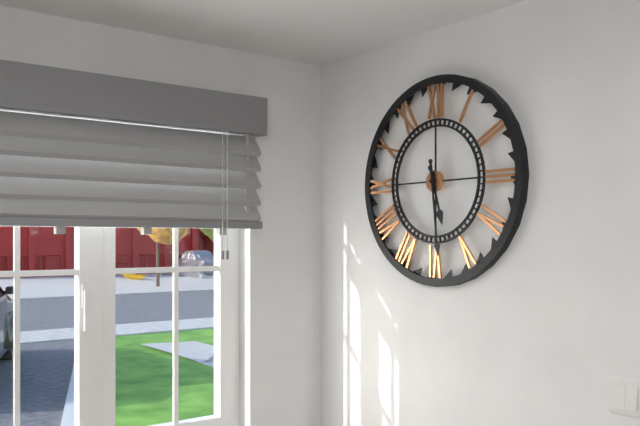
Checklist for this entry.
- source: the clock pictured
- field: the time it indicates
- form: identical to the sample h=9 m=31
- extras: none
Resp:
h=5 m=29
